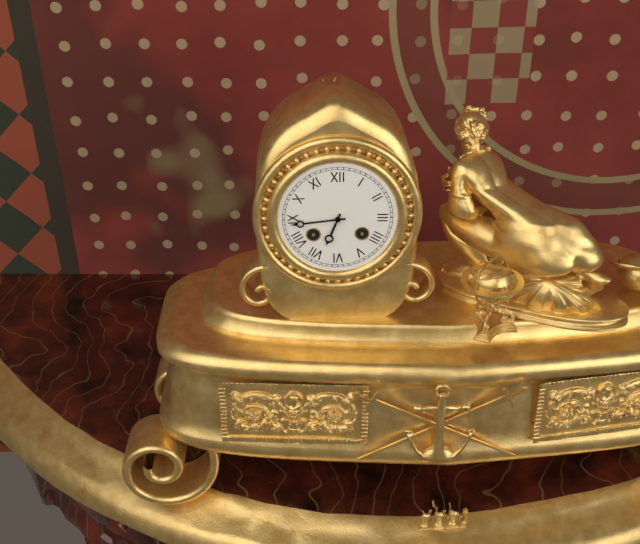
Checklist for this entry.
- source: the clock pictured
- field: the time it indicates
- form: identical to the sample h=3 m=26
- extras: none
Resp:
h=6 m=44
